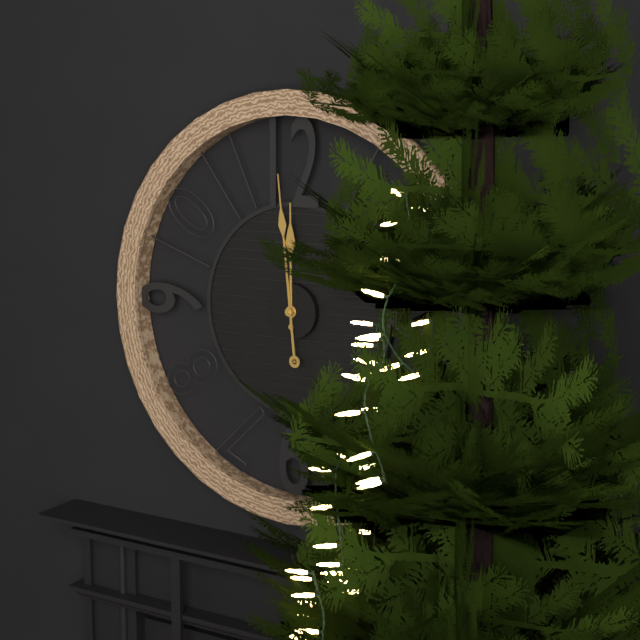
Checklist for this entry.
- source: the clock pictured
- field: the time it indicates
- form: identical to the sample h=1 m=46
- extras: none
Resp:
h=11 m=59
